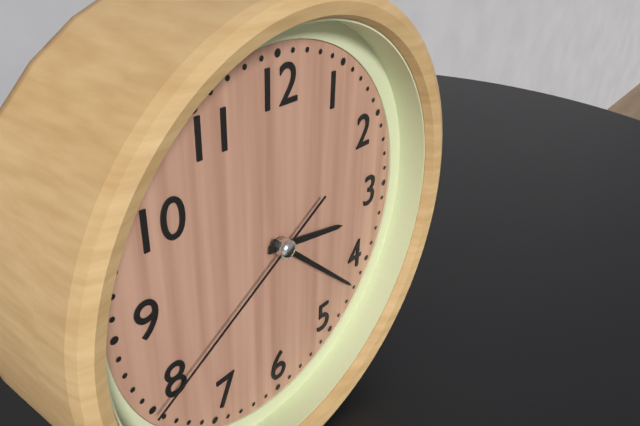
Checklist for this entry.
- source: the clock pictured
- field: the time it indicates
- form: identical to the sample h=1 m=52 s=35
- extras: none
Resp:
h=3 m=22 s=40
